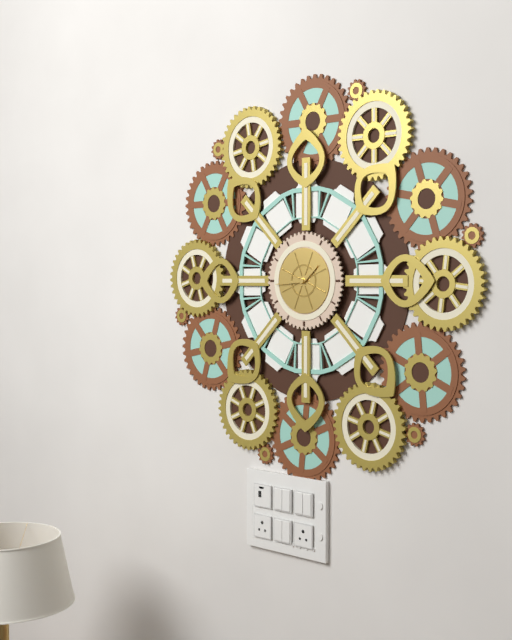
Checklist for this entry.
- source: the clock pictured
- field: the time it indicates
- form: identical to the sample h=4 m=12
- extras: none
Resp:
h=1 m=44
